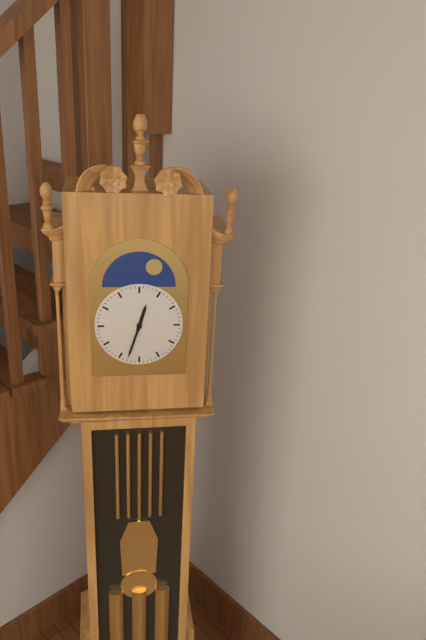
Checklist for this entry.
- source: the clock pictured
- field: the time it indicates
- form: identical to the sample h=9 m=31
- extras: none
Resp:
h=12 m=33
